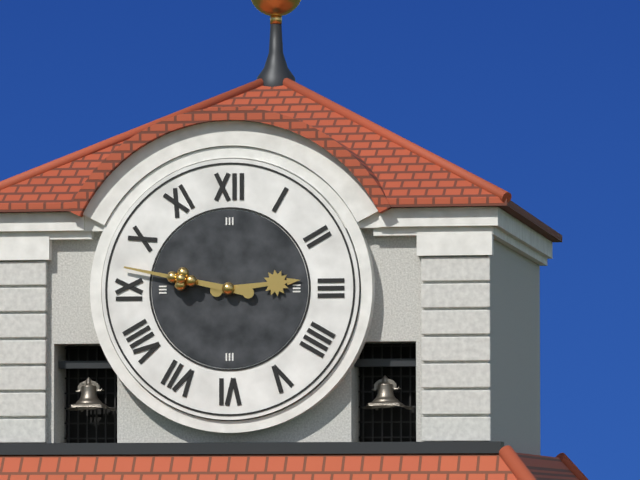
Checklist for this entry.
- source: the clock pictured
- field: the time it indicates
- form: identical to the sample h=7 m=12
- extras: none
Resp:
h=2 m=47
